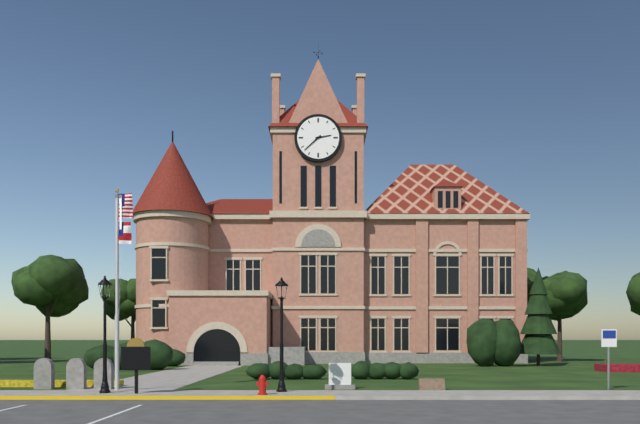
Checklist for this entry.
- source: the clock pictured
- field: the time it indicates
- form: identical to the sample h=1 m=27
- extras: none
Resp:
h=2 m=38
